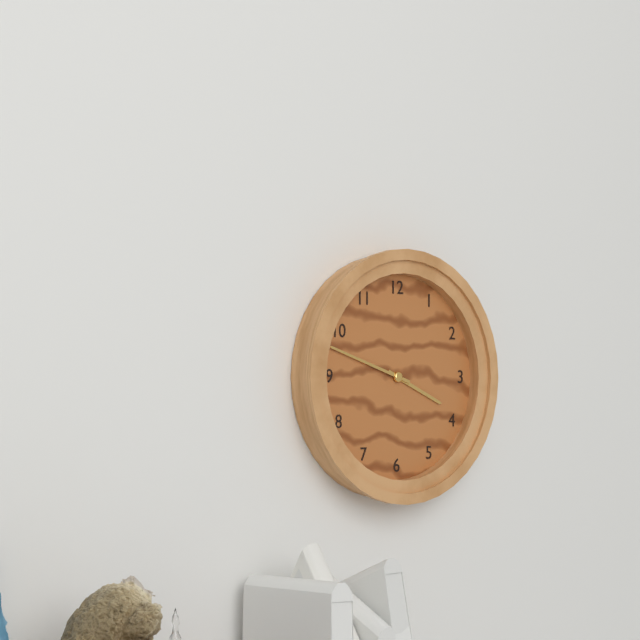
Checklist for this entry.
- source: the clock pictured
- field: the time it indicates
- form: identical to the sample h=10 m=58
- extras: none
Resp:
h=3 m=48
